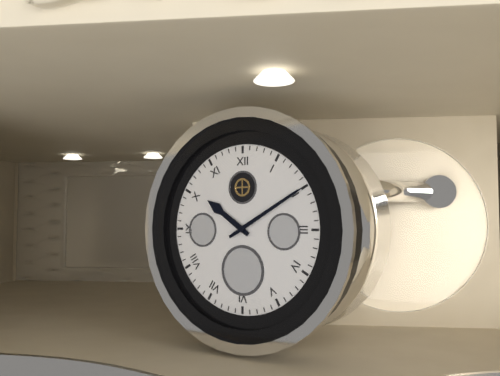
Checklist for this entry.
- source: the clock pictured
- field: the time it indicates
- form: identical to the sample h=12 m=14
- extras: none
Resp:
h=10 m=10
